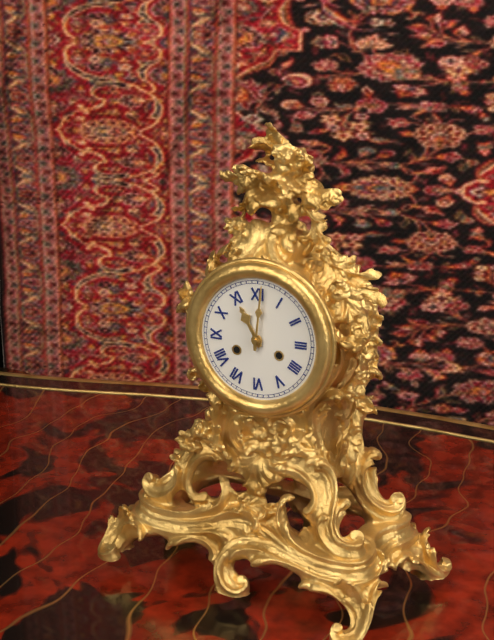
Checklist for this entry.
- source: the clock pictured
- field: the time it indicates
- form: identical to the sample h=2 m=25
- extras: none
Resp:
h=11 m=1
